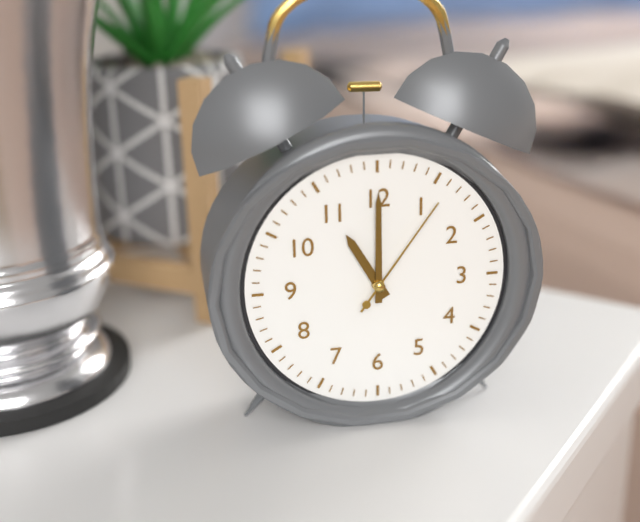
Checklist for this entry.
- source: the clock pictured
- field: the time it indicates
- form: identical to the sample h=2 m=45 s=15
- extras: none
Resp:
h=11 m=0 s=6
